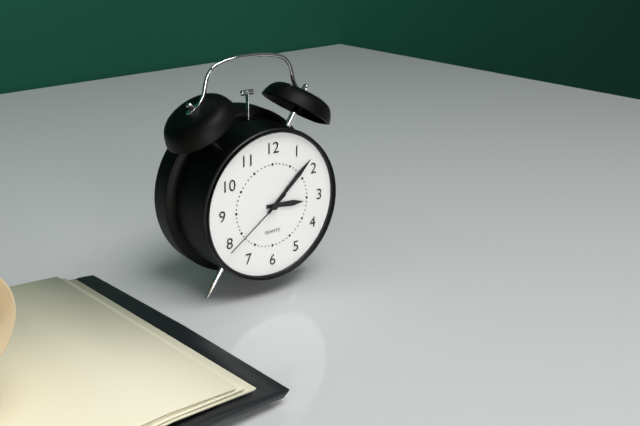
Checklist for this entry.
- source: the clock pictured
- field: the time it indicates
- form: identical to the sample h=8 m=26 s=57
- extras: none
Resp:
h=3 m=8 s=39
